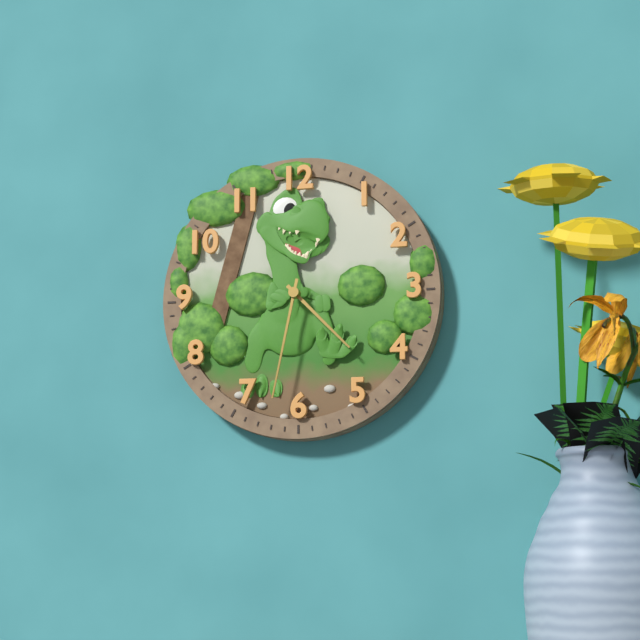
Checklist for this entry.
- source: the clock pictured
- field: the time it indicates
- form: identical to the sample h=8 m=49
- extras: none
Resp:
h=4 m=32
